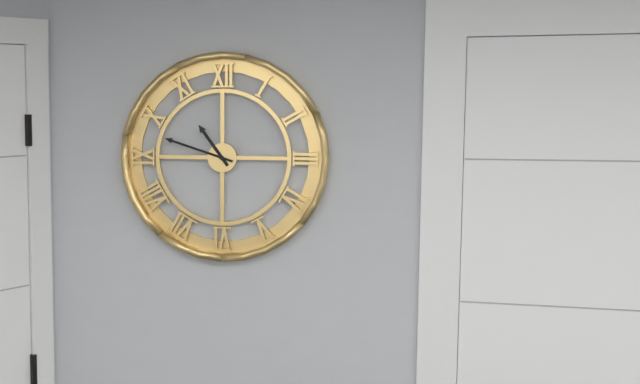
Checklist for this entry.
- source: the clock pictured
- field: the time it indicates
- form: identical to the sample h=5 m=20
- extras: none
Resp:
h=10 m=48
